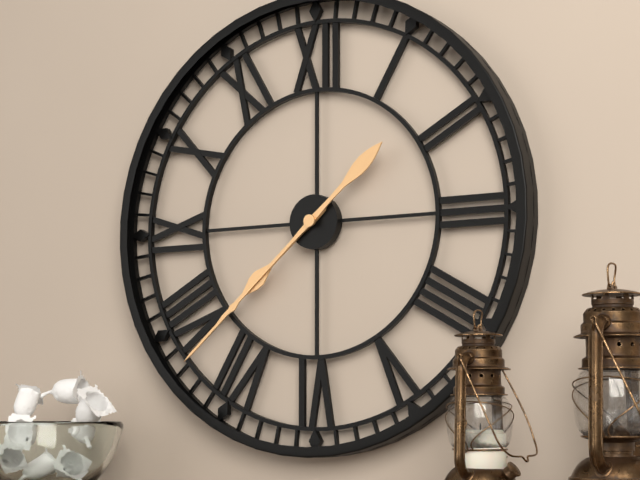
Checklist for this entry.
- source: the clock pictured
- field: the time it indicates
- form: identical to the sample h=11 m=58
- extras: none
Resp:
h=7 m=38
